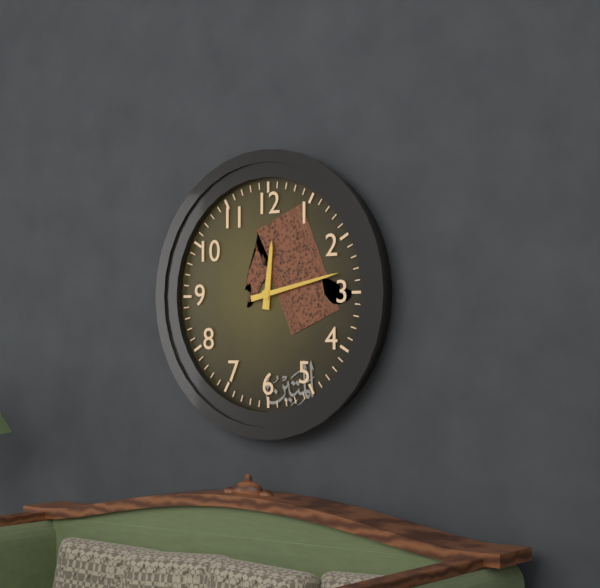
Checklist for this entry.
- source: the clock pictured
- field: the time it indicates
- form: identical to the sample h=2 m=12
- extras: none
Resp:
h=12 m=13
